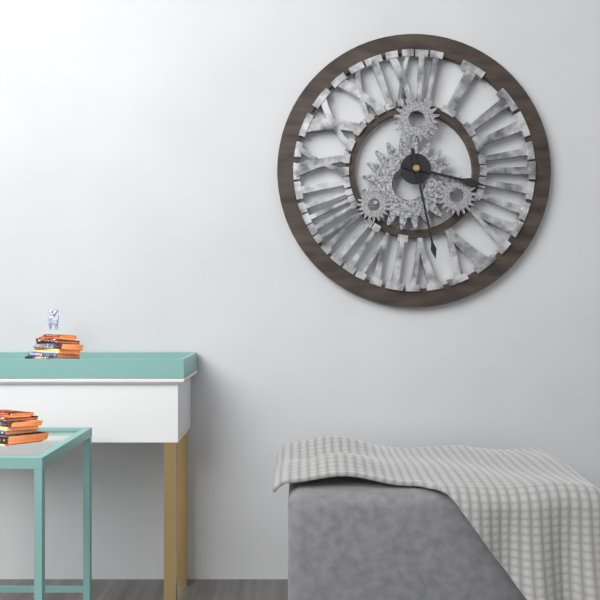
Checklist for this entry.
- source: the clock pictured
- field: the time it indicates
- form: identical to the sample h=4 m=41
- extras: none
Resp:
h=3 m=28
